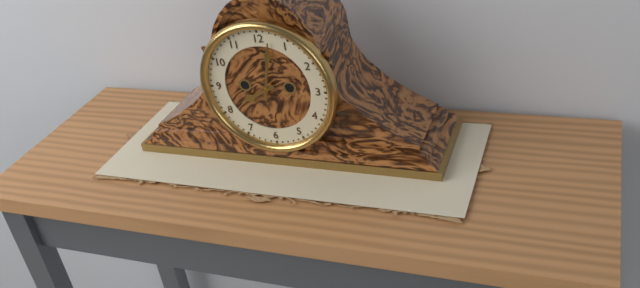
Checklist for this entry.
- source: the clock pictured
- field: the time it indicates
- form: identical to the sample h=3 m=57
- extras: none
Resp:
h=8 m=2
